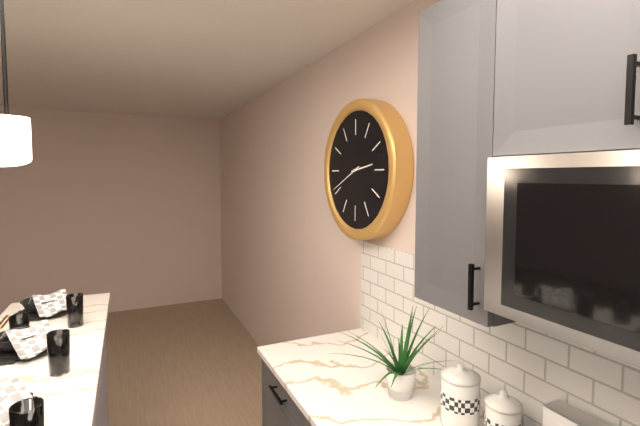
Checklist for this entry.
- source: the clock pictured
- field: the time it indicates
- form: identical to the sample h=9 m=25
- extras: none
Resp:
h=2 m=41
